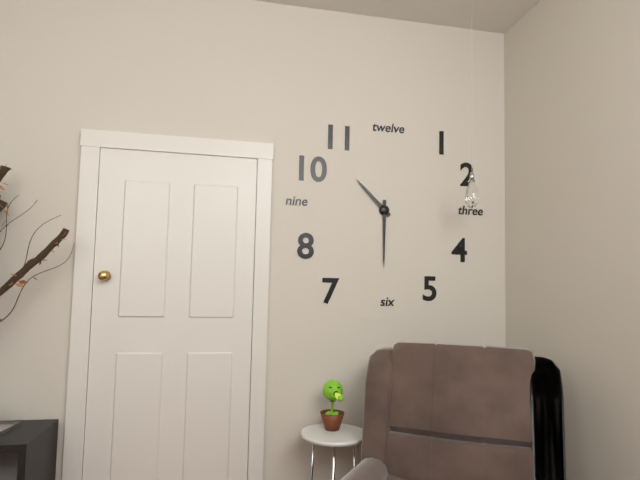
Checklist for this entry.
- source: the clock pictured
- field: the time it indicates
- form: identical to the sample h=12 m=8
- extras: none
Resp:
h=10 m=30
